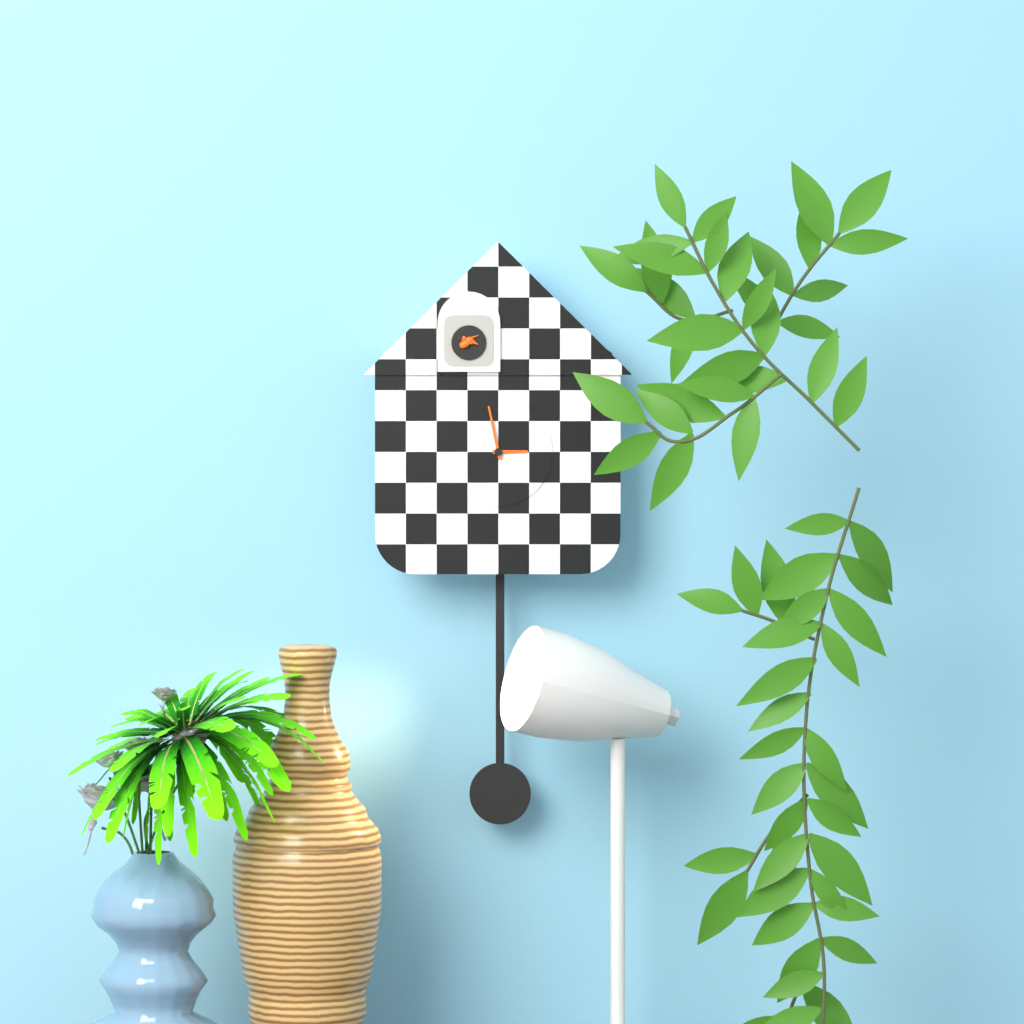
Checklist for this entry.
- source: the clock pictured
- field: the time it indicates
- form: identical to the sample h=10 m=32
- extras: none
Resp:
h=2 m=58
